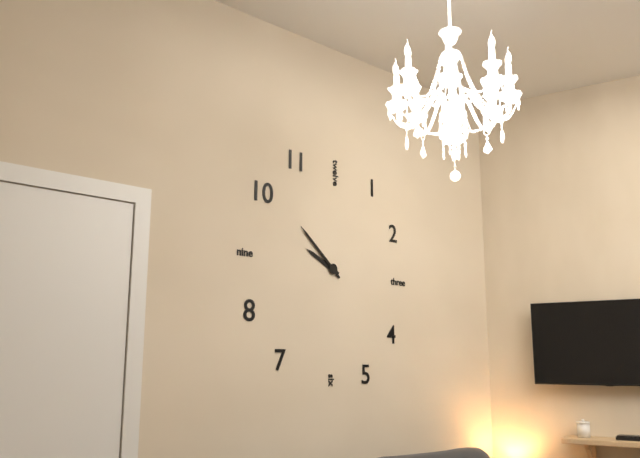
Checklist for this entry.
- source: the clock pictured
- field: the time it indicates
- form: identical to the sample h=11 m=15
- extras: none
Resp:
h=9 m=52
